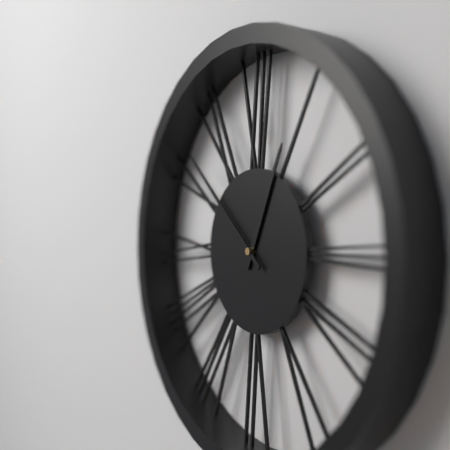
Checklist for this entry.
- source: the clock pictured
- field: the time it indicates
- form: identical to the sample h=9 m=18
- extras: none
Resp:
h=12 m=52
